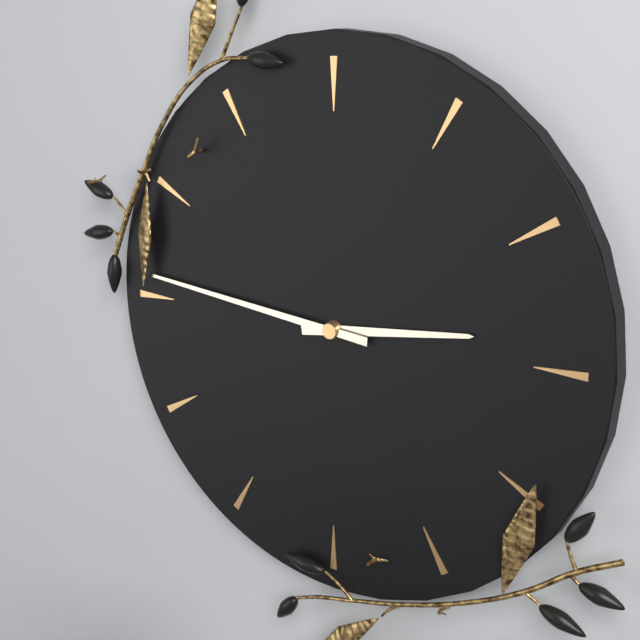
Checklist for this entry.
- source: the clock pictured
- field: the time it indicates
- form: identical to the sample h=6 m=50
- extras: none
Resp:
h=2 m=46
